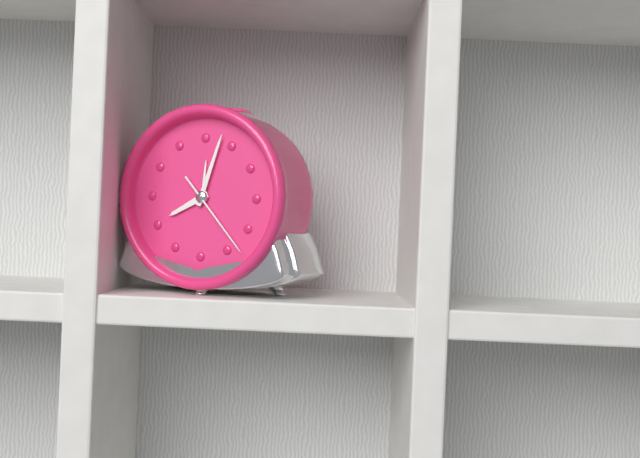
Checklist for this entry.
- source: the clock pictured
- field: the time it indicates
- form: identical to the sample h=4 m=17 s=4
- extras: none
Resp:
h=8 m=3 s=23
